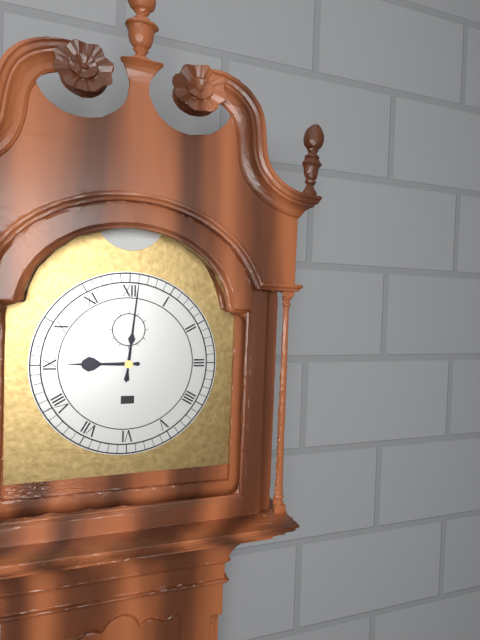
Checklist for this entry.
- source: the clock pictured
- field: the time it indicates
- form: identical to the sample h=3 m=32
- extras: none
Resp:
h=9 m=1
